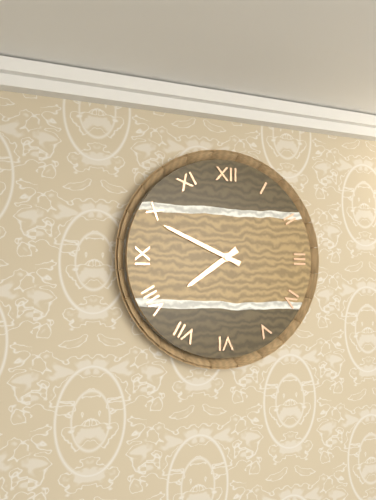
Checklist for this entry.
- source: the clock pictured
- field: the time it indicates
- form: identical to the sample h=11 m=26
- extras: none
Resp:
h=7 m=49
